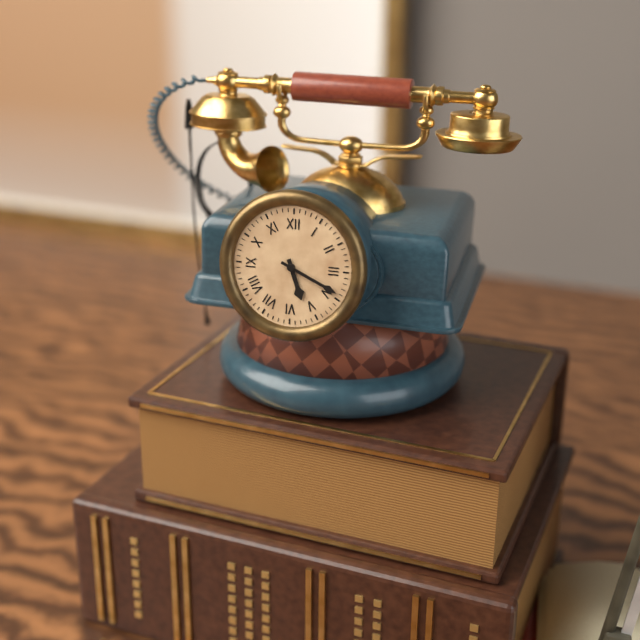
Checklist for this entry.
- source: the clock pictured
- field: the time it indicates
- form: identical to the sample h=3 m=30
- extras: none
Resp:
h=5 m=19
